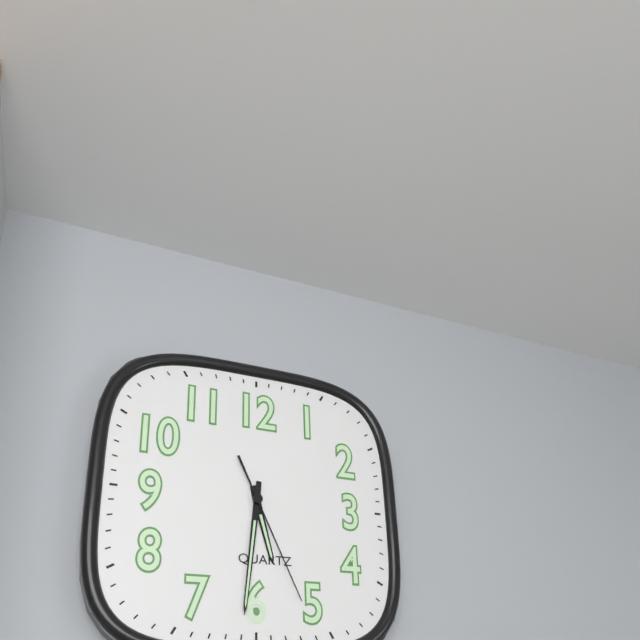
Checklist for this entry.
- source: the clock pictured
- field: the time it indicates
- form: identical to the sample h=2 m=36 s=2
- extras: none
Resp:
h=5 m=31 s=26
